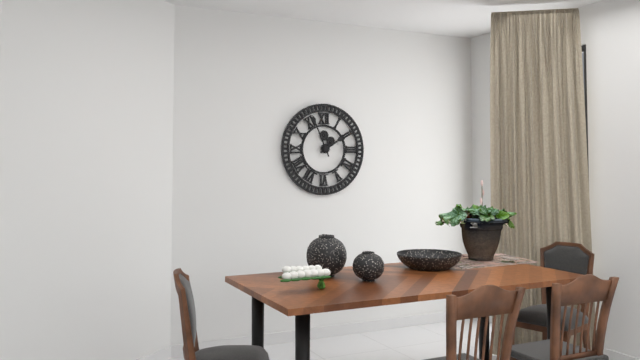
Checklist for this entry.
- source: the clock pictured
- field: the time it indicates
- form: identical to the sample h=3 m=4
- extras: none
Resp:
h=1 m=56
